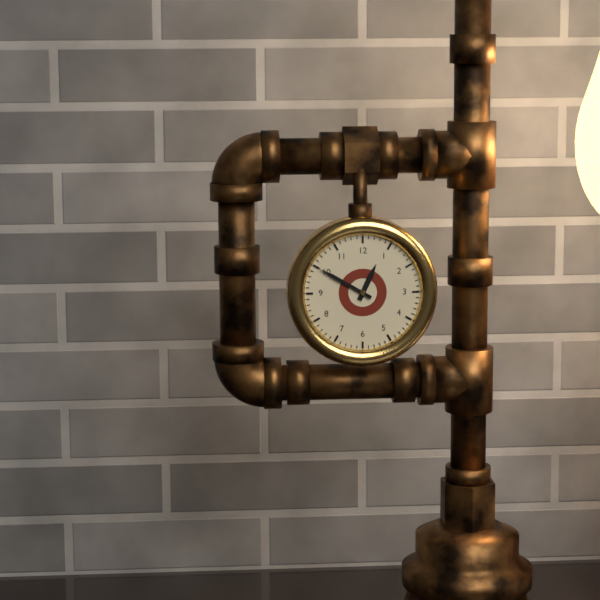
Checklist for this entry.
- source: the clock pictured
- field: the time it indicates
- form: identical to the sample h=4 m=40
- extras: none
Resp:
h=12 m=50
